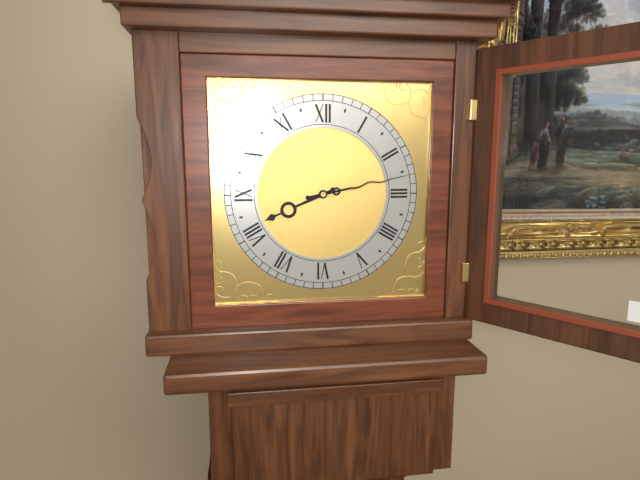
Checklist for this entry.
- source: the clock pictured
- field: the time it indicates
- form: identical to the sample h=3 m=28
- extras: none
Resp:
h=8 m=13
